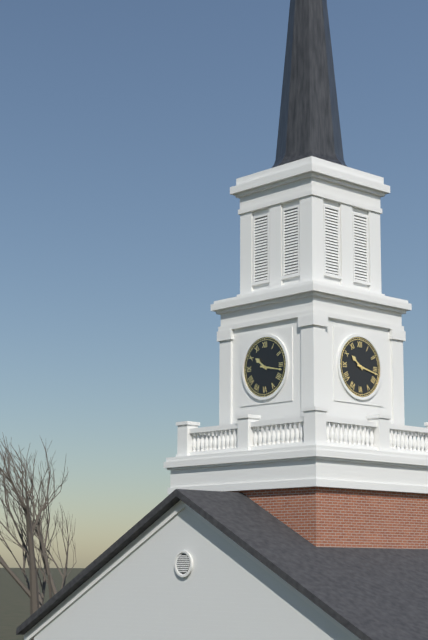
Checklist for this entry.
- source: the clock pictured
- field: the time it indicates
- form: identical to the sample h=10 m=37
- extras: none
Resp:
h=10 m=17
